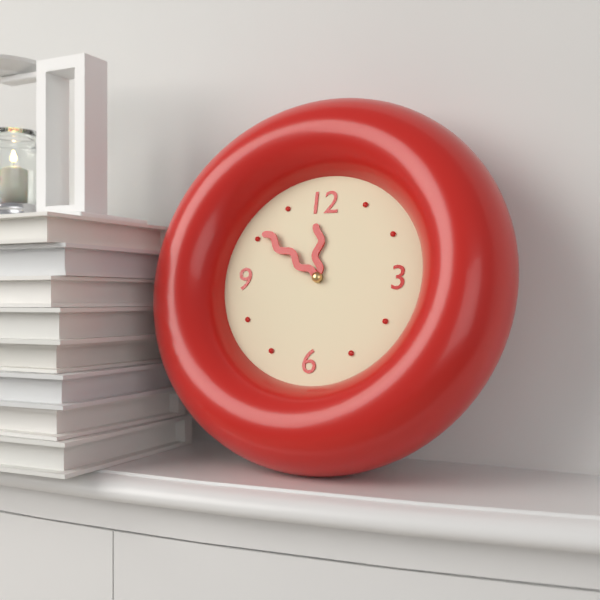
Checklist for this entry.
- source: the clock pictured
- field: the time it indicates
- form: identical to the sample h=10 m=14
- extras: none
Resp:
h=11 m=51
